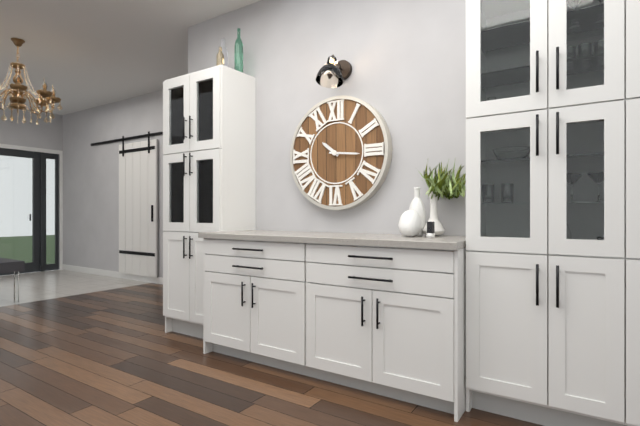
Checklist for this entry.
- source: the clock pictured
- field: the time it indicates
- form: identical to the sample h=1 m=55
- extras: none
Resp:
h=10 m=16
